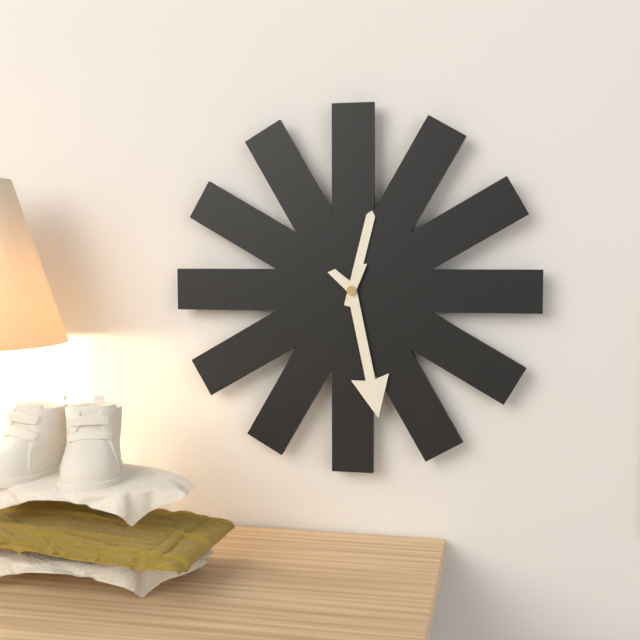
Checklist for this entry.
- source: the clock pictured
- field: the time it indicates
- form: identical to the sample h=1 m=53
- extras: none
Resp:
h=12 m=28
